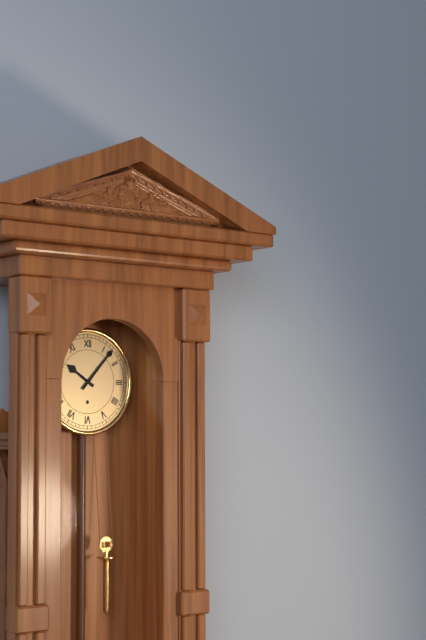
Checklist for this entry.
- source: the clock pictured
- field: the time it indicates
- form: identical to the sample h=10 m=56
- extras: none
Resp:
h=10 m=7
